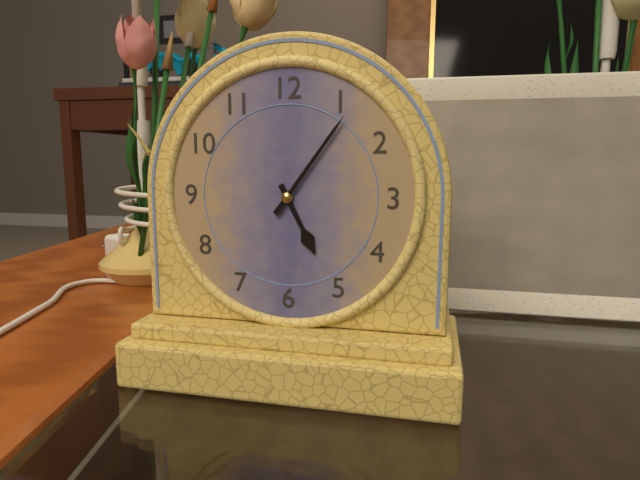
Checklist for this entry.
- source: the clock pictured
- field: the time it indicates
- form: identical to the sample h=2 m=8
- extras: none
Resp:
h=5 m=6
